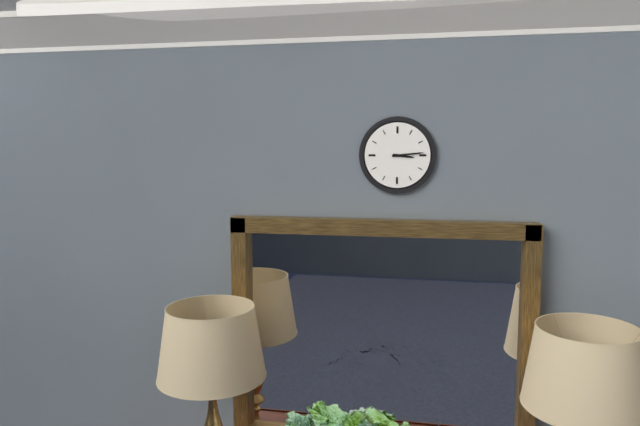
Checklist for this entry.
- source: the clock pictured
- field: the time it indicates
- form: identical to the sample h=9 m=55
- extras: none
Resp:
h=3 m=14
